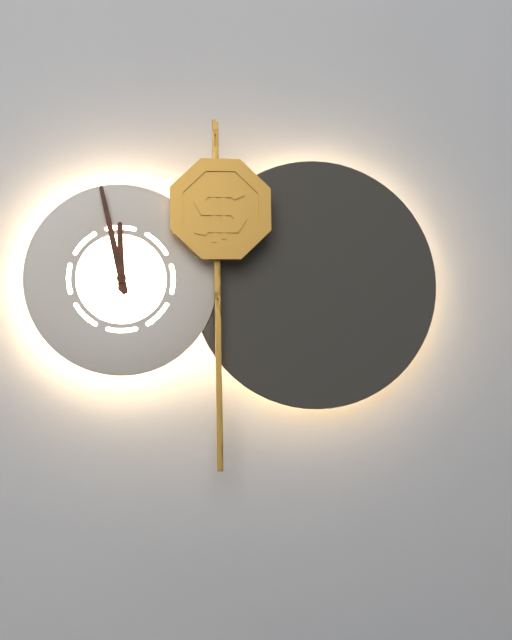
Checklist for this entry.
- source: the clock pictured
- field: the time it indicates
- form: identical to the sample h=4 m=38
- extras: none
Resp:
h=11 m=58
